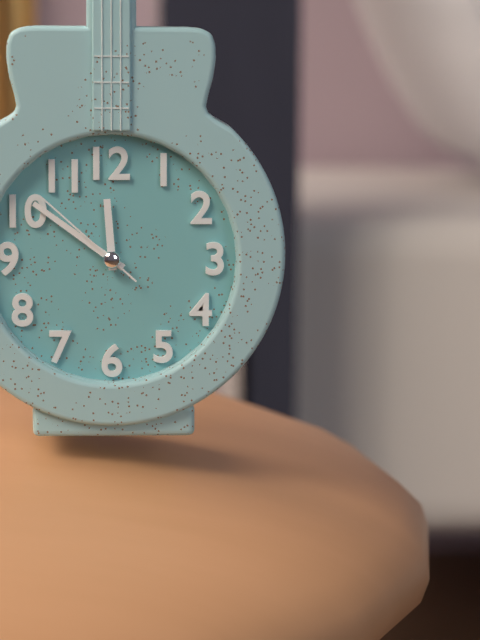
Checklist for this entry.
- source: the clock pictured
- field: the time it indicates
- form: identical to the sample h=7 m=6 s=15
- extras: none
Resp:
h=11 m=51 s=52
